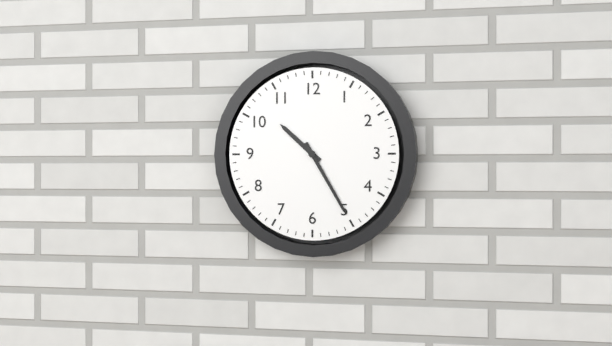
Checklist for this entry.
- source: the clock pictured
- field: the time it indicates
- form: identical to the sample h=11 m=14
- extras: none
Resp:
h=10 m=25
